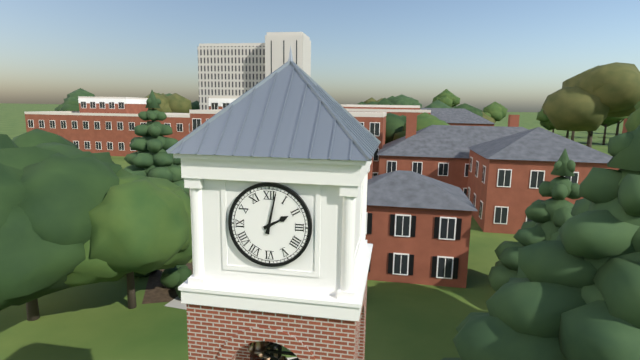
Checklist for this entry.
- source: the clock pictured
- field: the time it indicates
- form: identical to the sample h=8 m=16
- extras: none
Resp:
h=2 m=2
